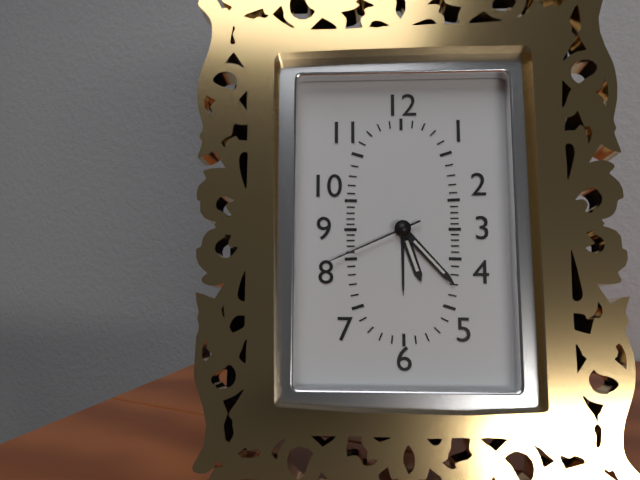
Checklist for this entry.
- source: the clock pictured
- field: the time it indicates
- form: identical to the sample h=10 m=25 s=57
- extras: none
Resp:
h=5 m=23 s=41
